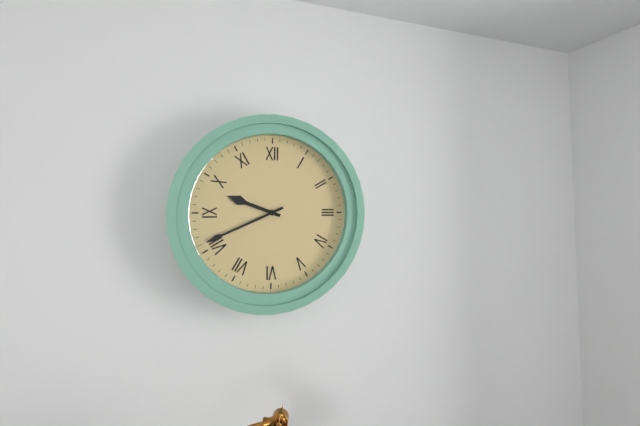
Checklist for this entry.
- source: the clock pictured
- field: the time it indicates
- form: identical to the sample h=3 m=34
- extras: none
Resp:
h=9 m=41
